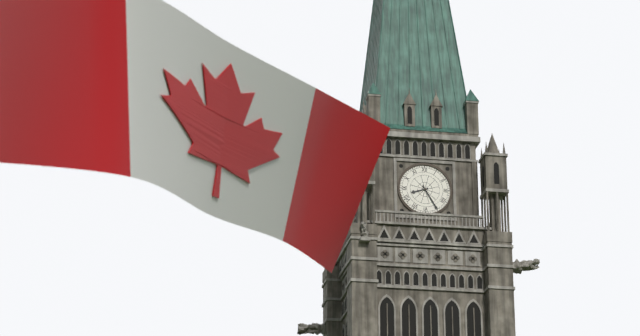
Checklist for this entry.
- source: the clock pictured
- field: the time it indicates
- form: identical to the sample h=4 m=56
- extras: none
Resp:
h=8 m=25
